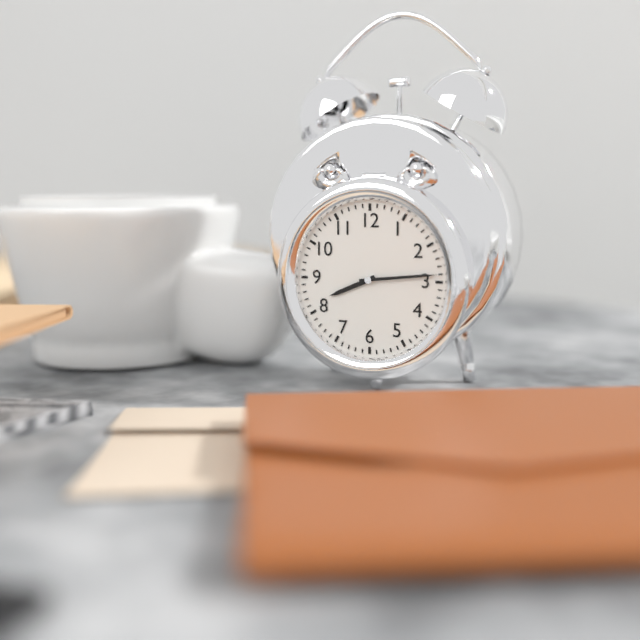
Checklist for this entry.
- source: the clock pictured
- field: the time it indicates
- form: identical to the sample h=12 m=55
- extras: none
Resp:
h=8 m=14
